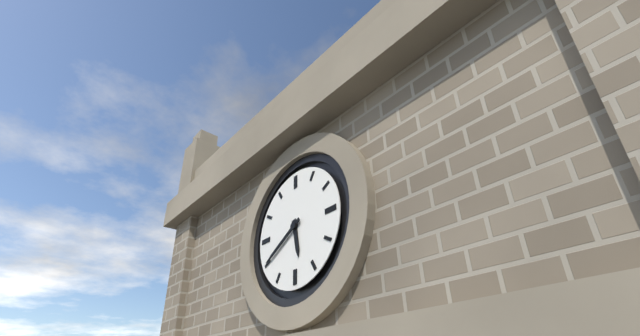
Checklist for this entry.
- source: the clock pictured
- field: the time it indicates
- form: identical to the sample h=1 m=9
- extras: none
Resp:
h=5 m=40
